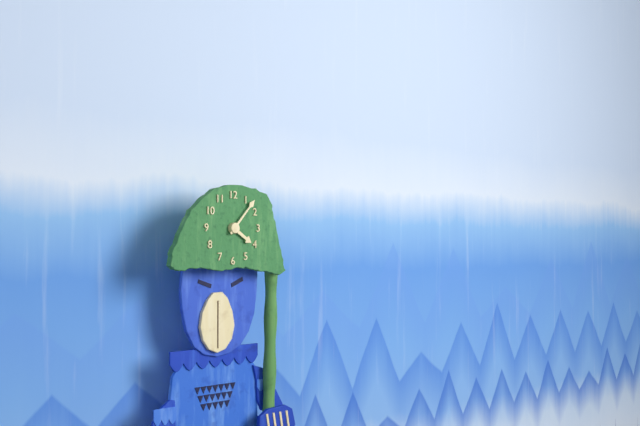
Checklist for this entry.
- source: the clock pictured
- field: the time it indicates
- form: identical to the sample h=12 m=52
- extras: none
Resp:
h=4 m=7
